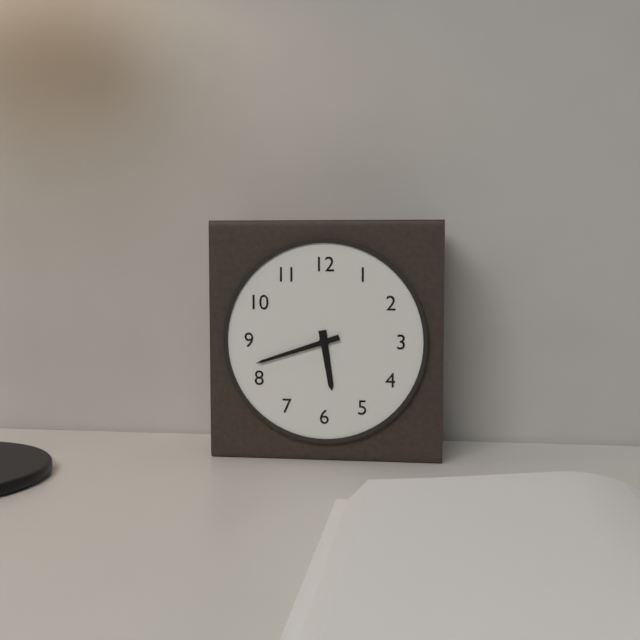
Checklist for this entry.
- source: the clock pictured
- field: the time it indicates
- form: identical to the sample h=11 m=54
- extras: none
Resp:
h=5 m=42
